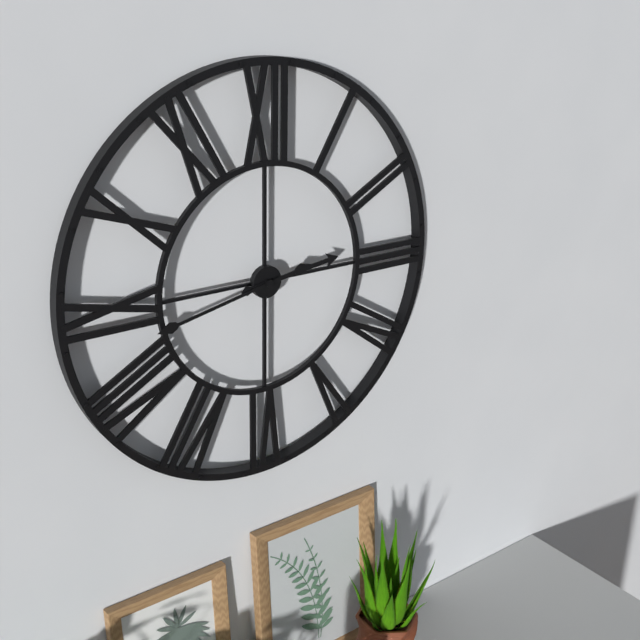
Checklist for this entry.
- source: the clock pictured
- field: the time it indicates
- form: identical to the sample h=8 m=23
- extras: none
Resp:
h=2 m=43
